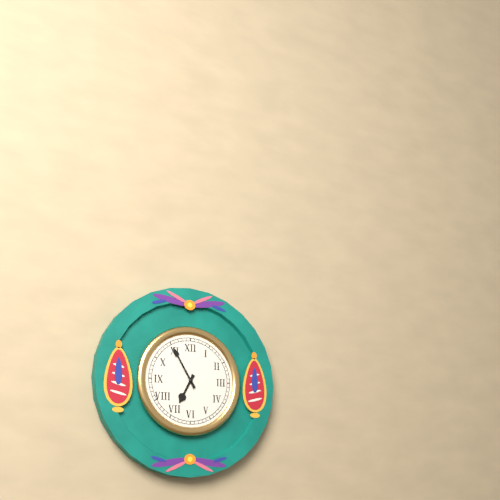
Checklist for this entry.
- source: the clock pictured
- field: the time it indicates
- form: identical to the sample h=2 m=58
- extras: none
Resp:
h=6 m=55
